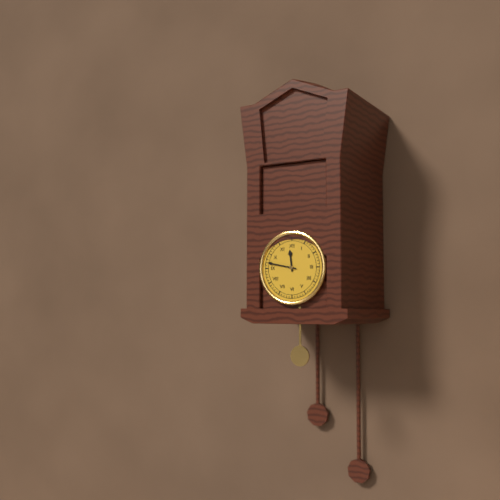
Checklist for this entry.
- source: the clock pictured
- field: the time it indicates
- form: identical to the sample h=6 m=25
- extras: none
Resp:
h=11 m=47
